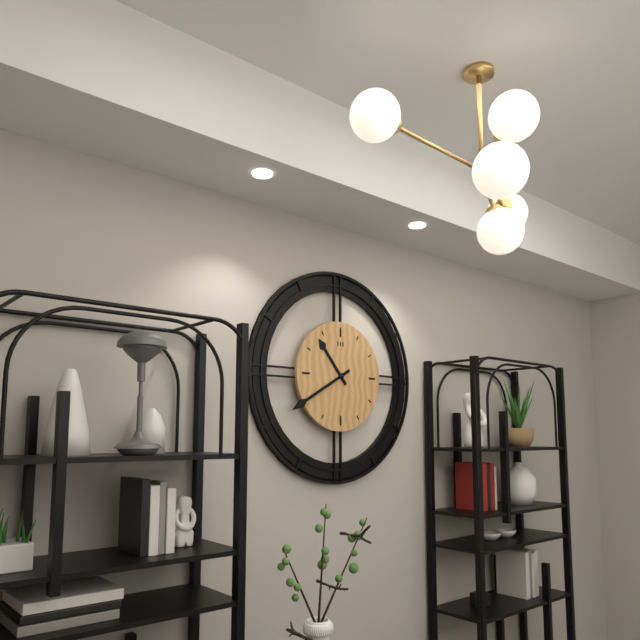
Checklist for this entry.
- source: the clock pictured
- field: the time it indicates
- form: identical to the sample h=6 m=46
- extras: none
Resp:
h=10 m=40
